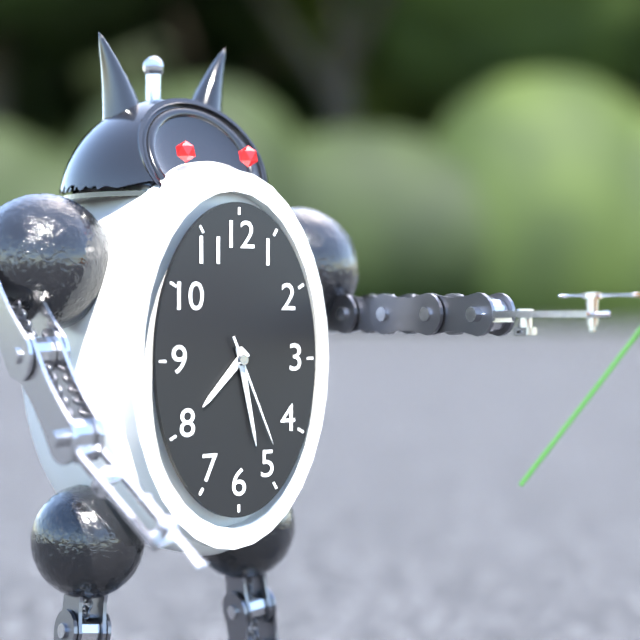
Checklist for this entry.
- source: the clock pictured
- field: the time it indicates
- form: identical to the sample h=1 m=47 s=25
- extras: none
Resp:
h=7 m=28 s=26
